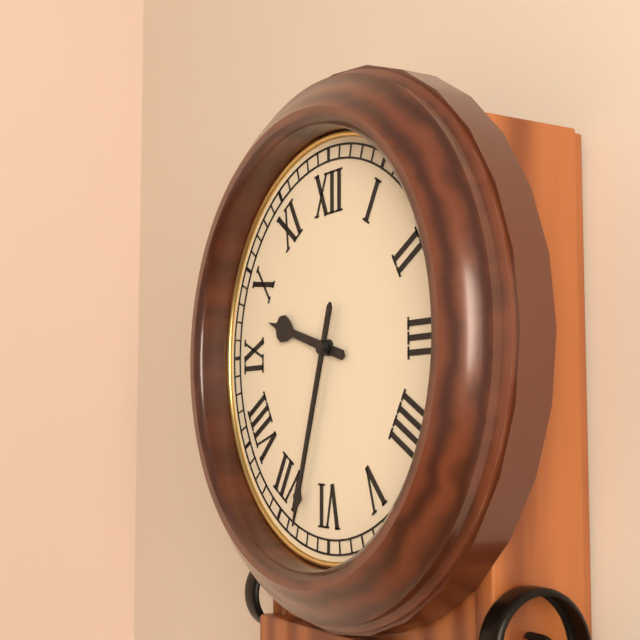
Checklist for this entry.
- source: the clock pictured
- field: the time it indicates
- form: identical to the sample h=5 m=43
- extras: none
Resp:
h=9 m=33
